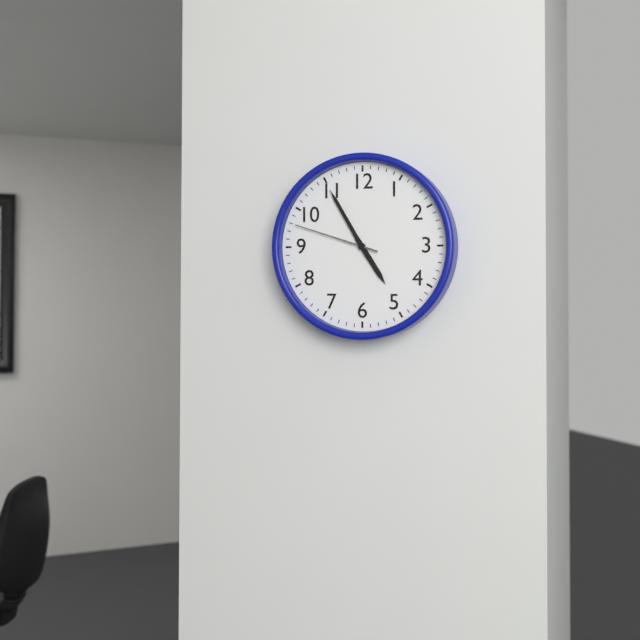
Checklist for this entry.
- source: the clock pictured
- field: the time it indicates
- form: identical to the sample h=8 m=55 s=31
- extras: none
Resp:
h=4 m=55 s=48
